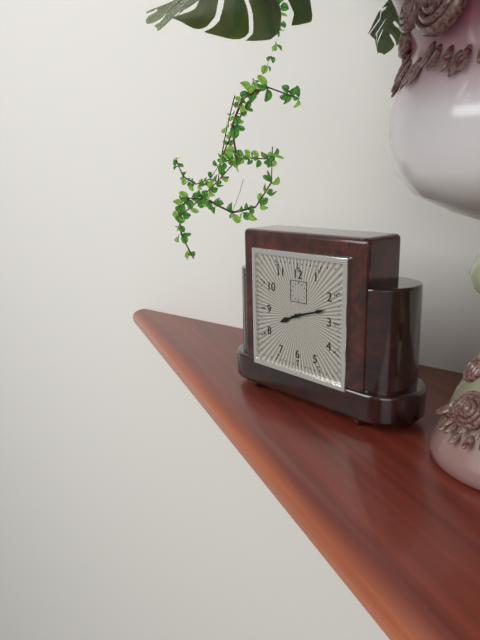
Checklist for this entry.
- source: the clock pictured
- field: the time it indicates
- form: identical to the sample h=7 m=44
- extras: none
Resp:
h=8 m=12
